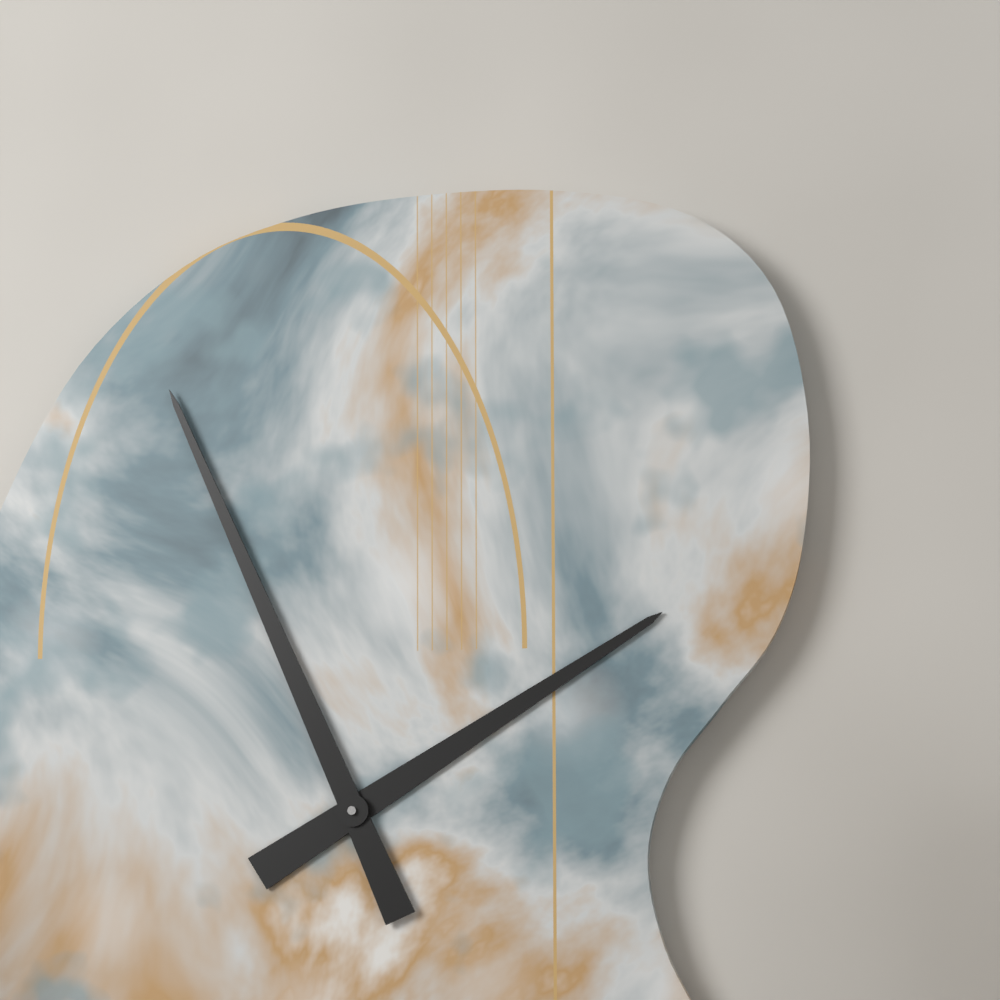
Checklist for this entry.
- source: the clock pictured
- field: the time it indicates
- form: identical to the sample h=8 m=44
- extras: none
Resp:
h=1 m=56
